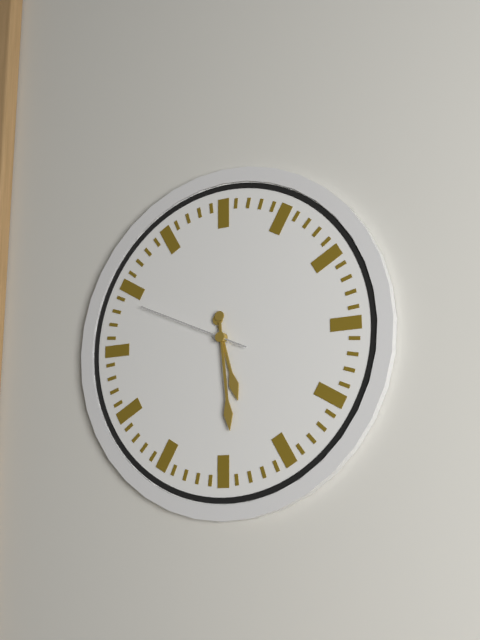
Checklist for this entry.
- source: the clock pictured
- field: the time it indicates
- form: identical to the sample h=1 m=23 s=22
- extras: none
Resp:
h=5 m=29 s=49
